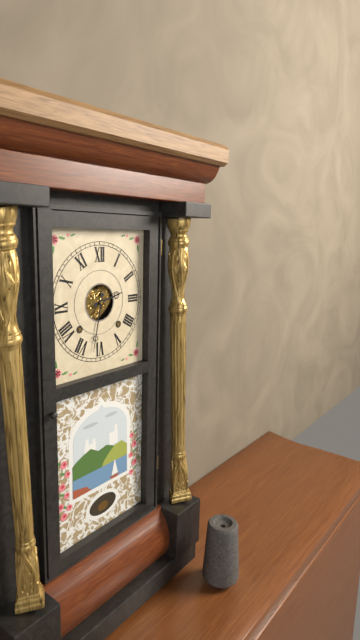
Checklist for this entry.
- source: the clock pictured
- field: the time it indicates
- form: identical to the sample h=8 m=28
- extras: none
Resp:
h=2 m=32
